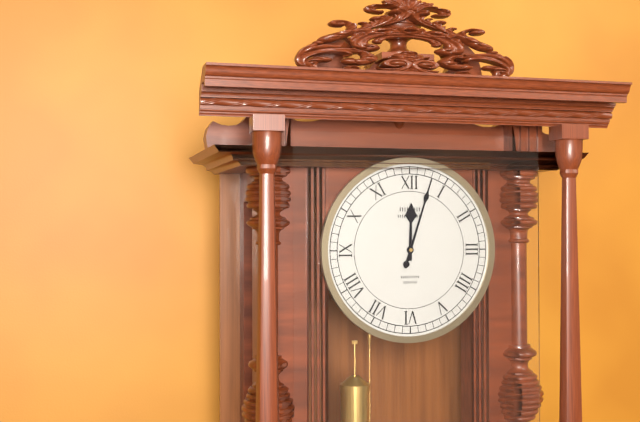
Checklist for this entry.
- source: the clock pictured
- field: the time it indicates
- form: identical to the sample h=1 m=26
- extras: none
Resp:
h=12 m=3
